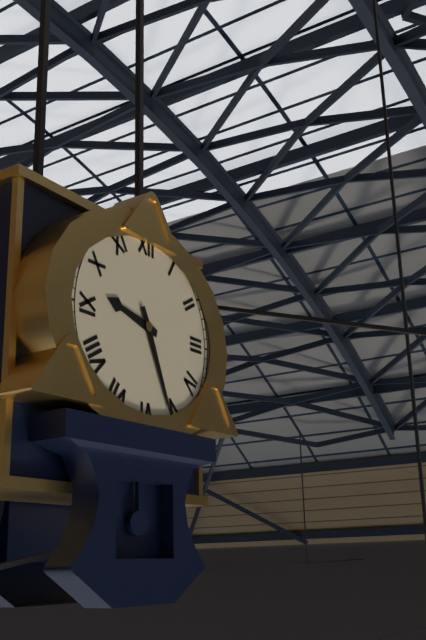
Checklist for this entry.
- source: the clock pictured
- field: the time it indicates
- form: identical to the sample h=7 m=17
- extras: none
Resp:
h=9 m=26
